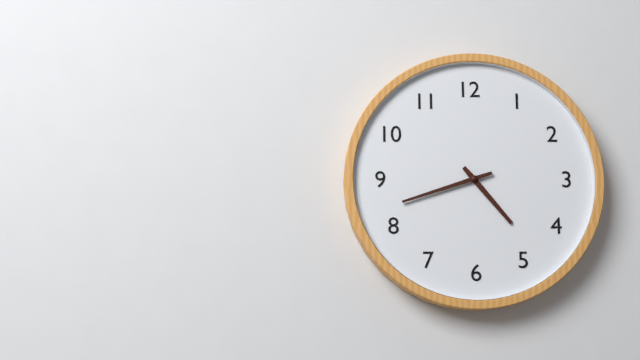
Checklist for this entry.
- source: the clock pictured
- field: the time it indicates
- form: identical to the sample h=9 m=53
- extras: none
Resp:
h=4 m=42
